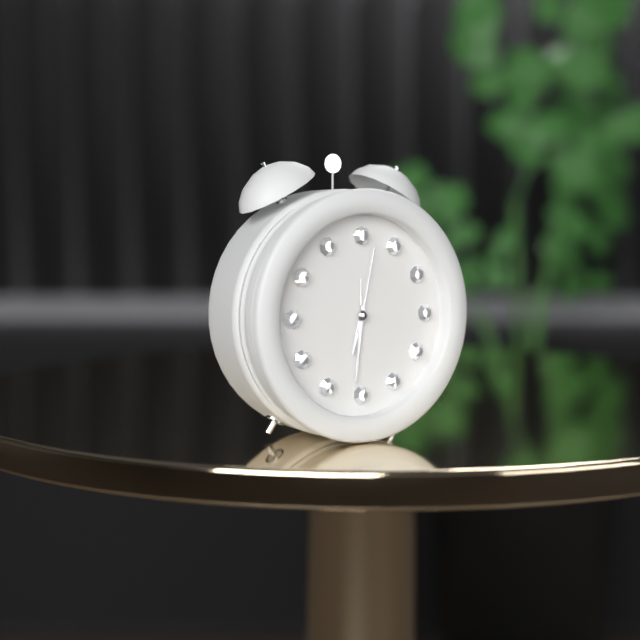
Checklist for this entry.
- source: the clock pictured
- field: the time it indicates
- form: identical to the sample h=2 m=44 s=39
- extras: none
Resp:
h=6 m=31 s=2
